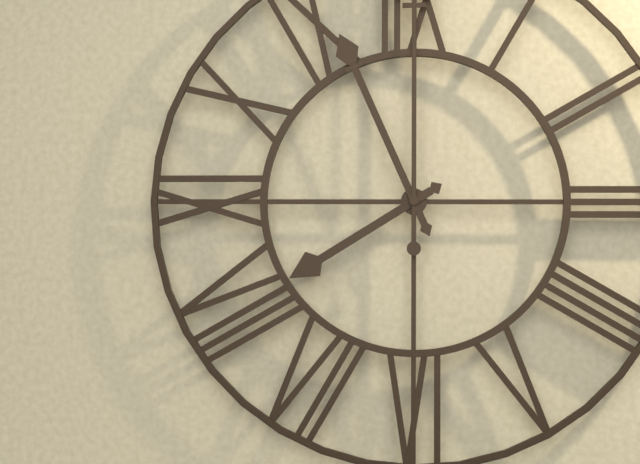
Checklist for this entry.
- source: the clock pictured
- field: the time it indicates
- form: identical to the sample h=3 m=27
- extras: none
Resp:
h=7 m=56
